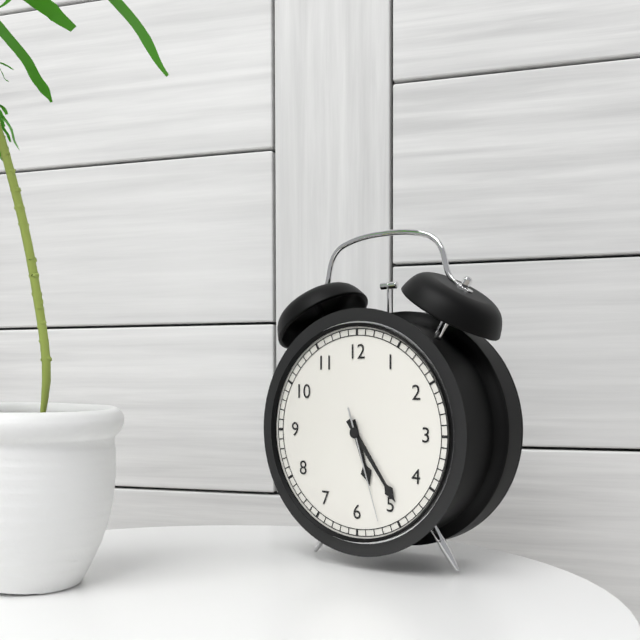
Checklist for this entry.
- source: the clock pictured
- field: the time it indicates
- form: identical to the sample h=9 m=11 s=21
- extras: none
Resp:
h=5 m=24 s=27
